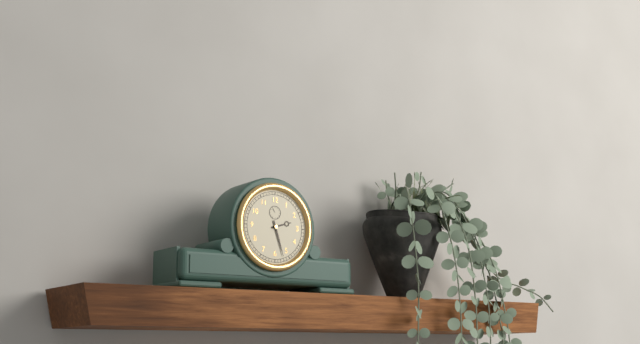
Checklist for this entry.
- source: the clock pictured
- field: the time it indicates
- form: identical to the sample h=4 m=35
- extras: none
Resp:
h=2 m=27
